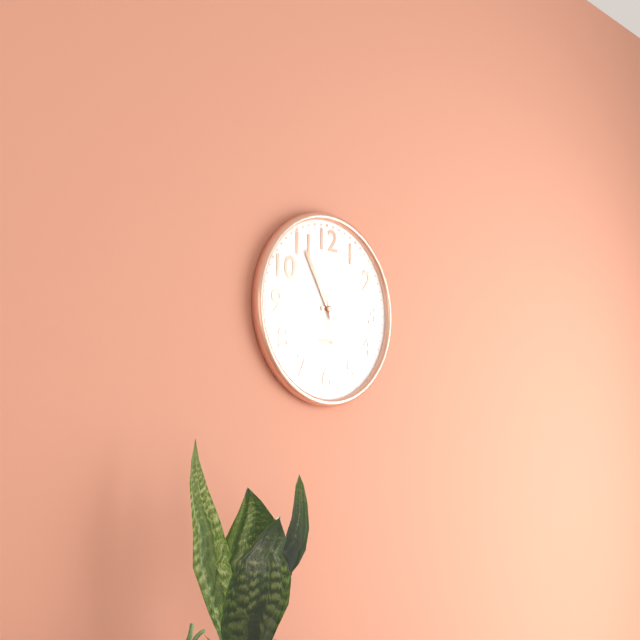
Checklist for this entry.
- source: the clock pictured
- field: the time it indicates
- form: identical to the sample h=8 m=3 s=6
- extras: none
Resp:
h=2 m=55 s=28
